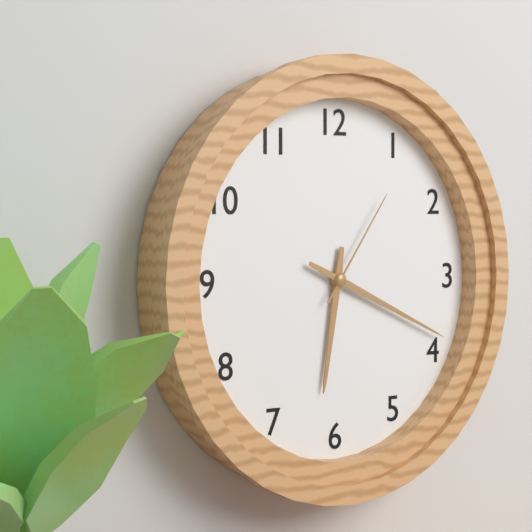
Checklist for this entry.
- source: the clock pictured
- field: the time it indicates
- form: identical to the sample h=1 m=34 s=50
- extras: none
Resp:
h=6 m=19 s=6
